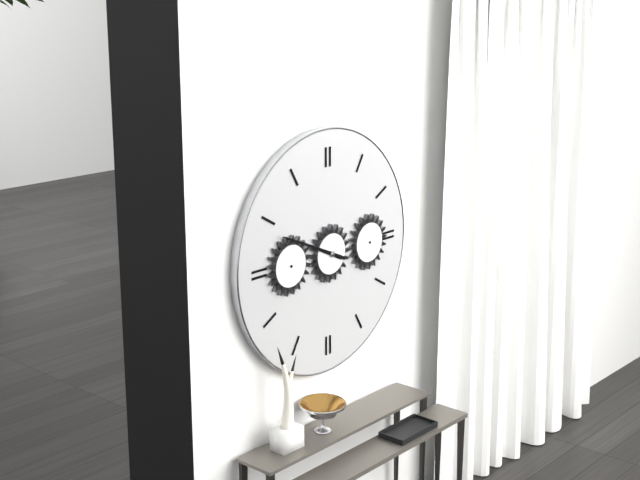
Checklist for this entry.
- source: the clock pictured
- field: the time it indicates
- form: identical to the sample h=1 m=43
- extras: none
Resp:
h=9 m=49
